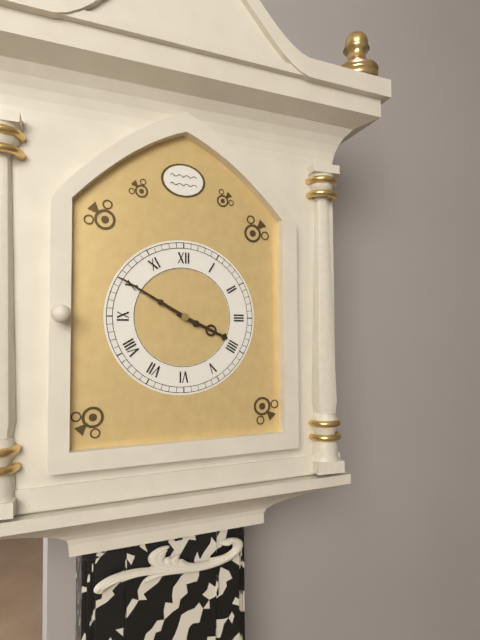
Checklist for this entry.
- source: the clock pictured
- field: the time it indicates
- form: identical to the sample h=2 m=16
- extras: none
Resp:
h=3 m=50
